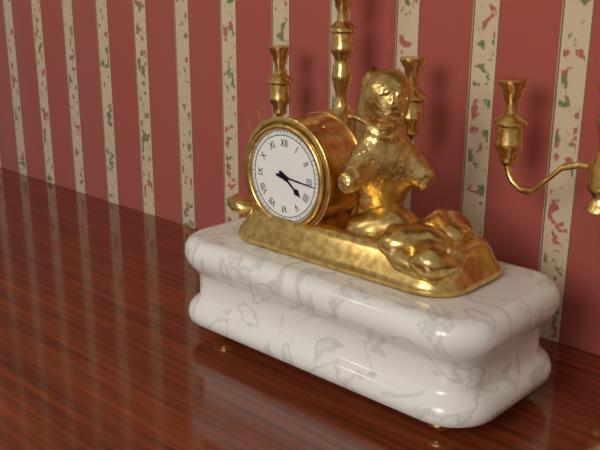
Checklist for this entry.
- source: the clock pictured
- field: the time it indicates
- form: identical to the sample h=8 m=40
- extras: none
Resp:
h=4 m=16
